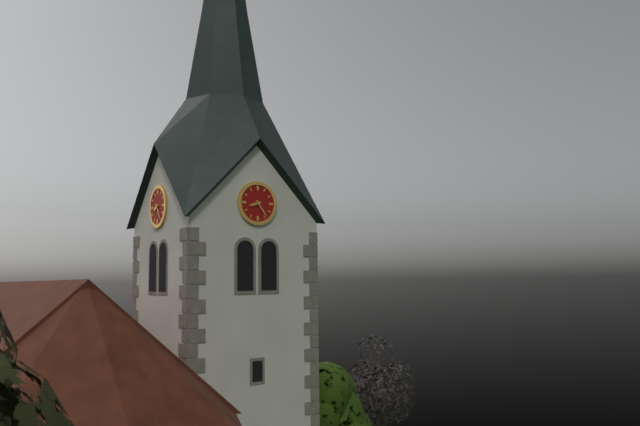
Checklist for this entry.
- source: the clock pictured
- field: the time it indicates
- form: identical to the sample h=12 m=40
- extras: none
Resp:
h=8 m=24
